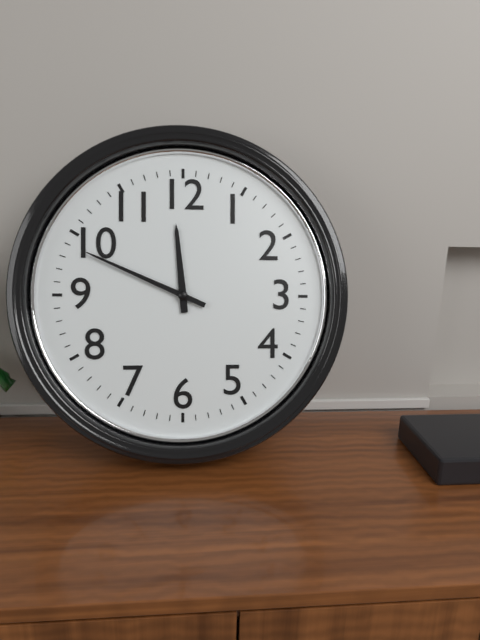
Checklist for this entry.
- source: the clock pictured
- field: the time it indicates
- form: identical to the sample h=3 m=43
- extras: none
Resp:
h=11 m=49
